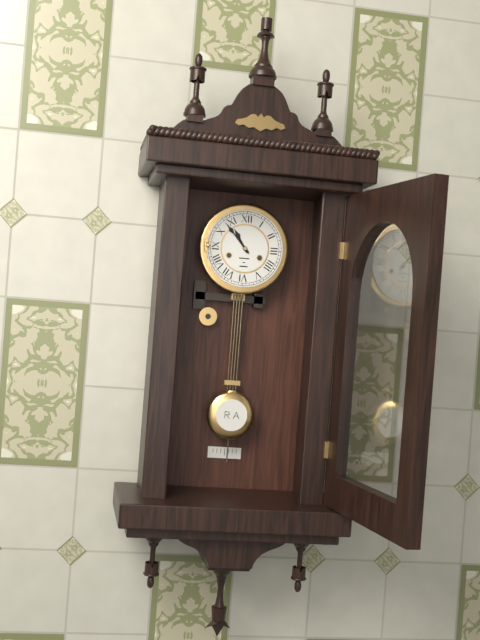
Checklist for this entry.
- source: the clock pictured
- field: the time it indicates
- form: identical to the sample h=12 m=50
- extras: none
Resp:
h=10 m=53
